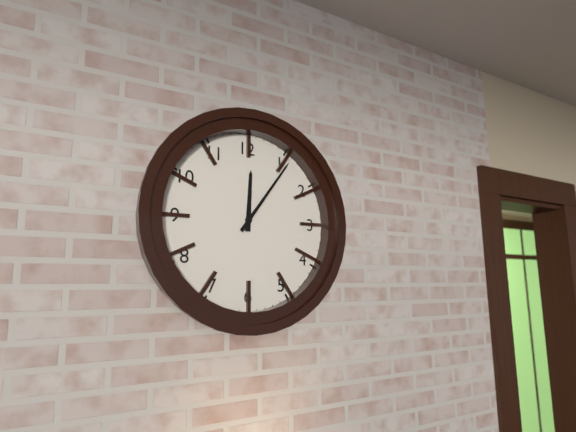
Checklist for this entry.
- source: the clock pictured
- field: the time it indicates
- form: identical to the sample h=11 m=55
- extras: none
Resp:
h=12 m=6
